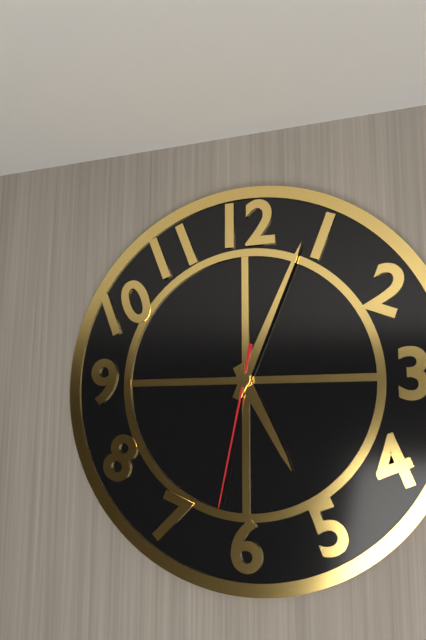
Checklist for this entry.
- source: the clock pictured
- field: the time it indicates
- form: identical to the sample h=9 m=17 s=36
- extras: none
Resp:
h=5 m=4 s=32
